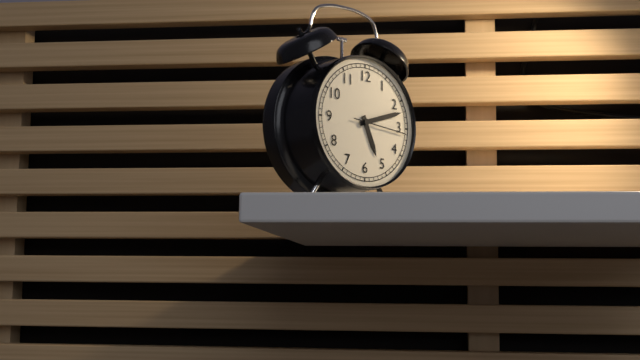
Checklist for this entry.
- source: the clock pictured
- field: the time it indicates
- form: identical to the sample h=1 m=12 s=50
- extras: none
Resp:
h=5 m=12 s=16
